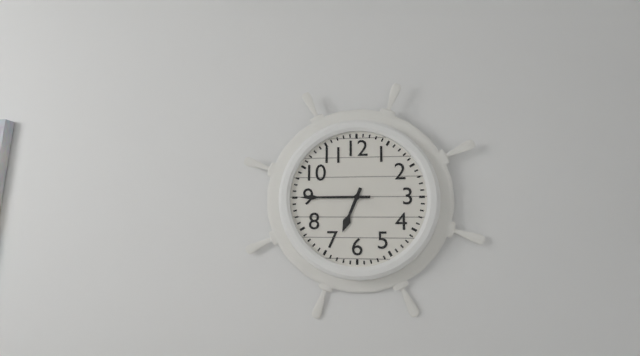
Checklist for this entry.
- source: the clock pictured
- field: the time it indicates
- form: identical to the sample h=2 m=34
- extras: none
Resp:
h=6 m=45
